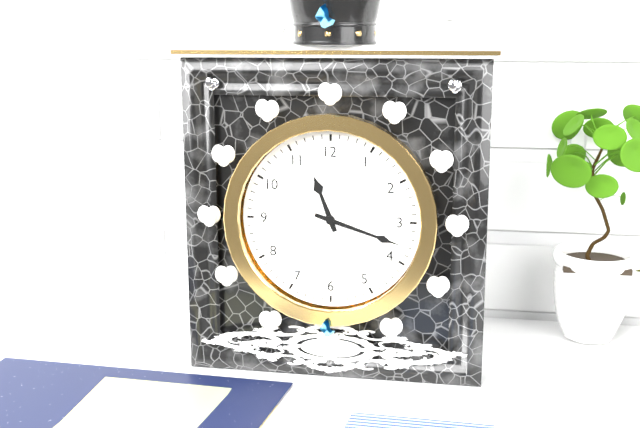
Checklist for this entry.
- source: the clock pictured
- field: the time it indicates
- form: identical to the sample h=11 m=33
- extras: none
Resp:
h=11 m=18
